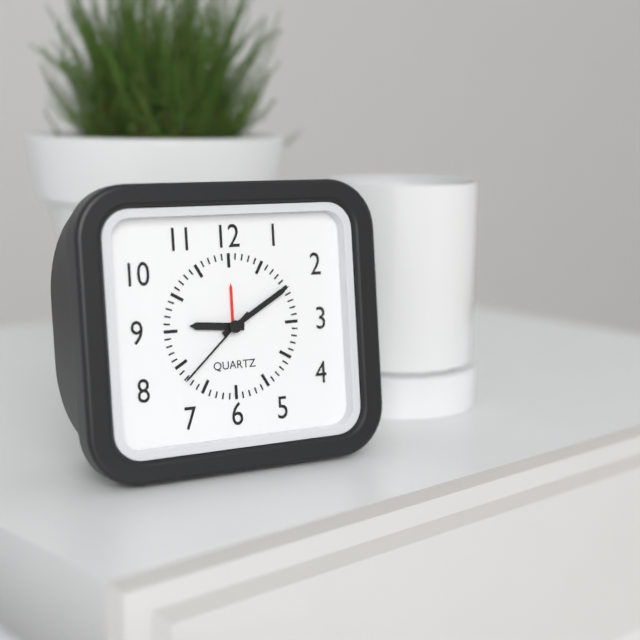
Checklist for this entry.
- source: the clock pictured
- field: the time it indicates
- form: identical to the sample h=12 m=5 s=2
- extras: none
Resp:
h=9 m=10 s=38
